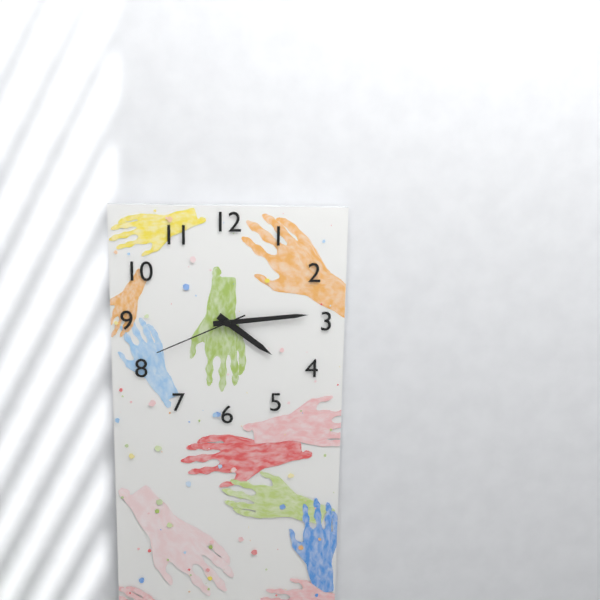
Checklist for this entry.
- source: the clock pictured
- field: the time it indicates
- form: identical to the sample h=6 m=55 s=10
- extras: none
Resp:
h=4 m=14 s=41
